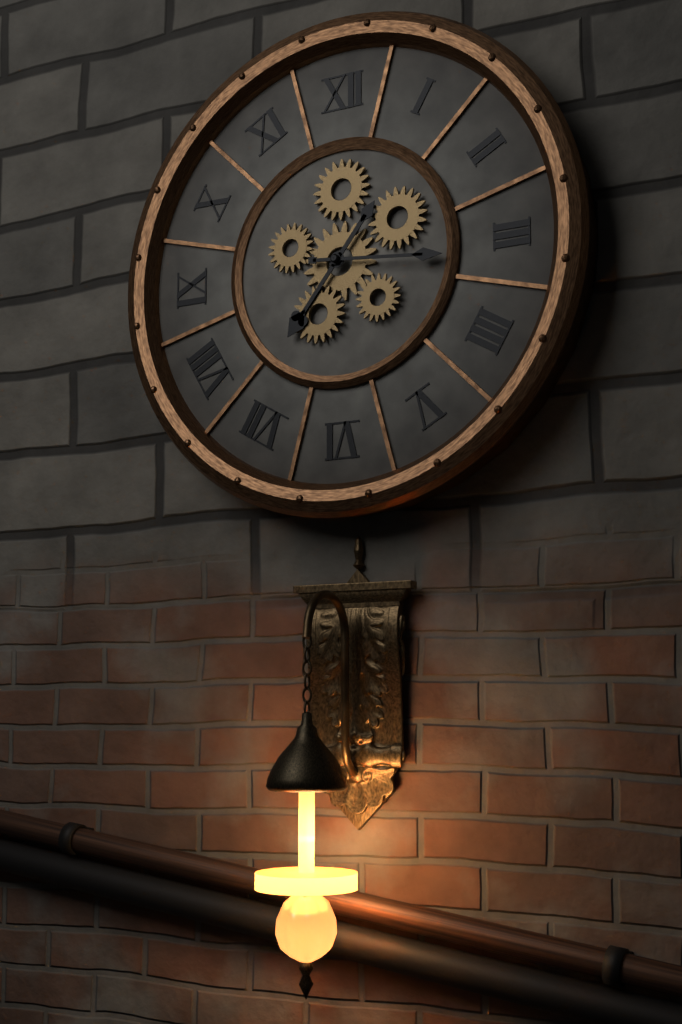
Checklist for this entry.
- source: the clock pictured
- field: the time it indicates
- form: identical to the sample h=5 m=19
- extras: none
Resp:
h=7 m=16
